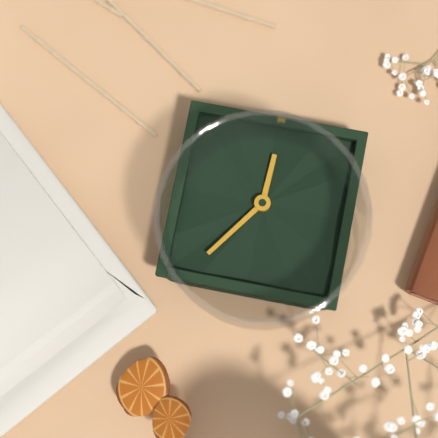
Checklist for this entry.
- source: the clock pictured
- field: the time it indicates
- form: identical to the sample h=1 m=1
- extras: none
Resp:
h=6 m=6
